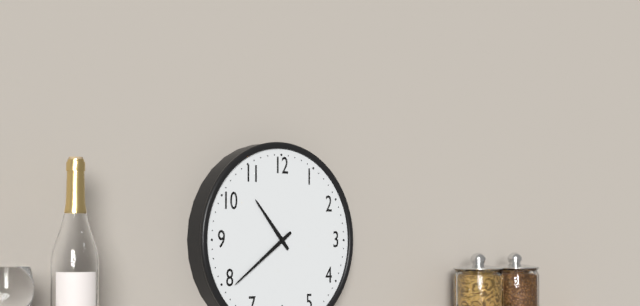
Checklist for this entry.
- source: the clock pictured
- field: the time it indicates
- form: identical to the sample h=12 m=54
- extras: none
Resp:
h=10 m=39
